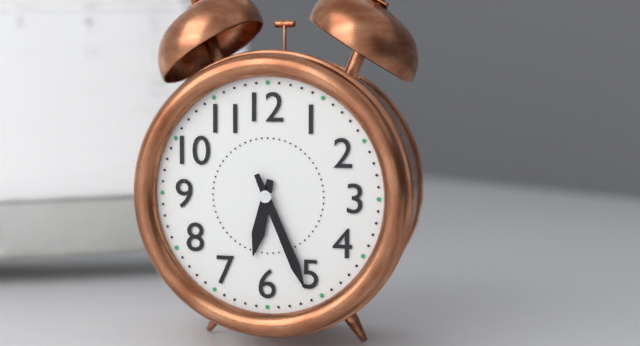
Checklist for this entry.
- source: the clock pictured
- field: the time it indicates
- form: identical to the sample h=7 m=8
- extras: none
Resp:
h=6 m=26
